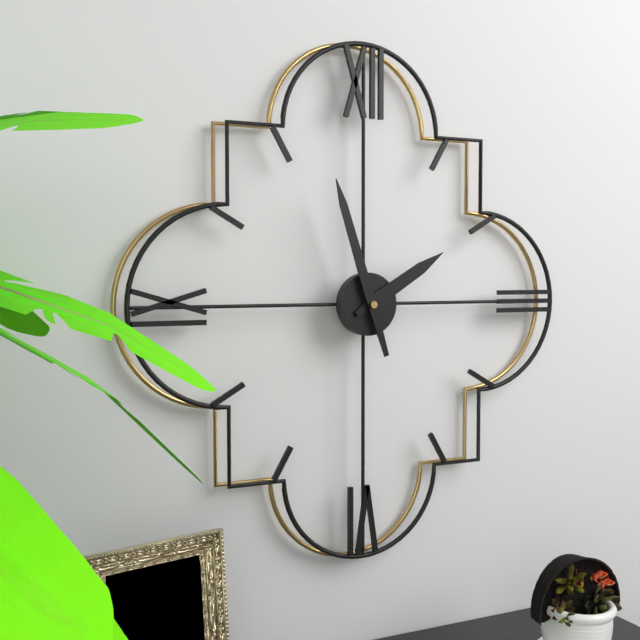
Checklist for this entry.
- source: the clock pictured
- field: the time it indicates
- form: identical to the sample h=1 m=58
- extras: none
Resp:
h=1 m=57
